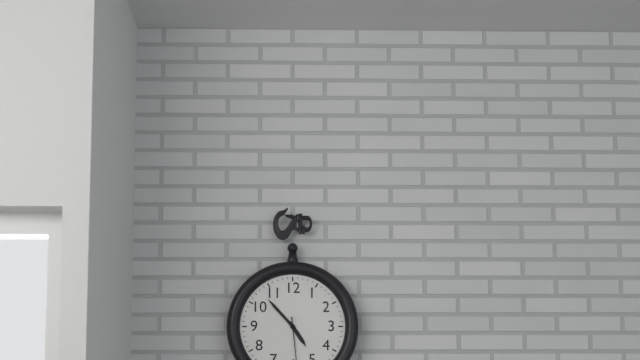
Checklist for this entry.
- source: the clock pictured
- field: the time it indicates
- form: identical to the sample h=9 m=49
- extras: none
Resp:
h=4 m=53
